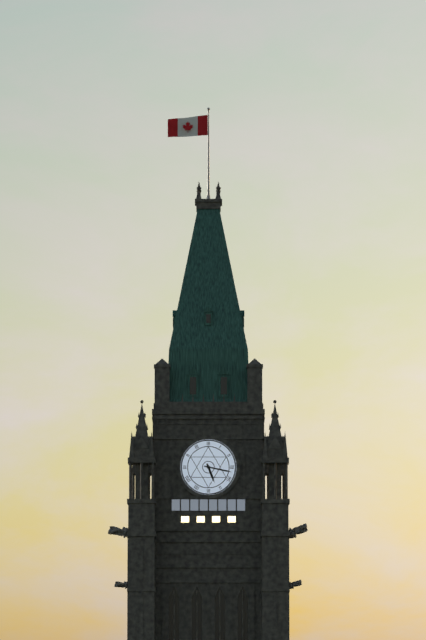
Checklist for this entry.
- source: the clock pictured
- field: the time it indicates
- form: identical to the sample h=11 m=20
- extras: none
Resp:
h=5 m=17
